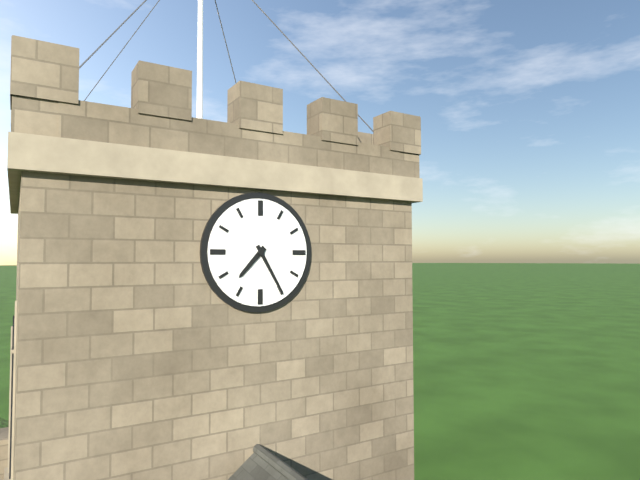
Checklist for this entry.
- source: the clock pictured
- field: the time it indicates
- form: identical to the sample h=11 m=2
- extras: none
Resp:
h=7 m=25
